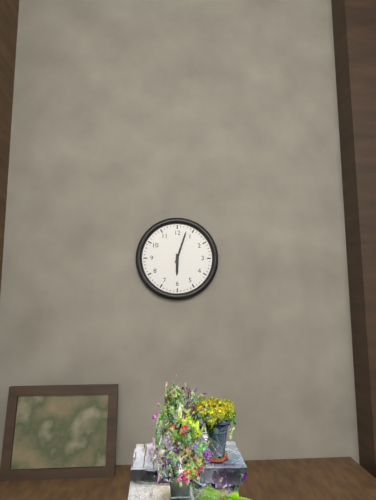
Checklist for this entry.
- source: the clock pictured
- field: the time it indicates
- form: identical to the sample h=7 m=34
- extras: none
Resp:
h=6 m=3
